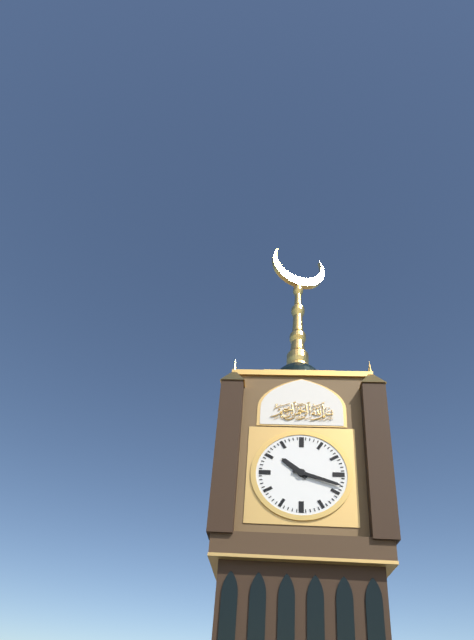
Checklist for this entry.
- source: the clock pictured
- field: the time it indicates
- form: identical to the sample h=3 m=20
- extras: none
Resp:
h=10 m=18
